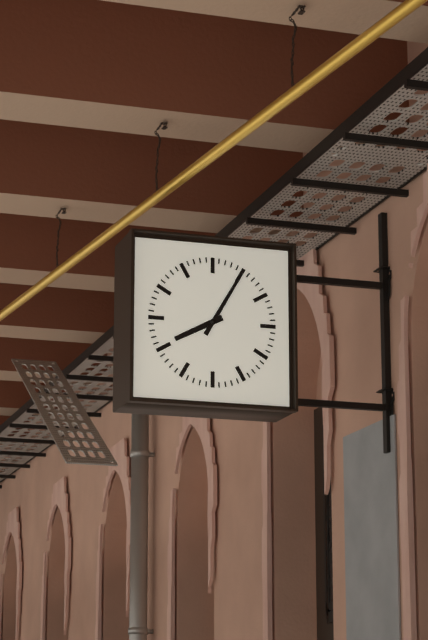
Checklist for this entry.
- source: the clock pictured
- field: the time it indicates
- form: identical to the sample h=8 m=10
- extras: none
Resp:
h=8 m=5
